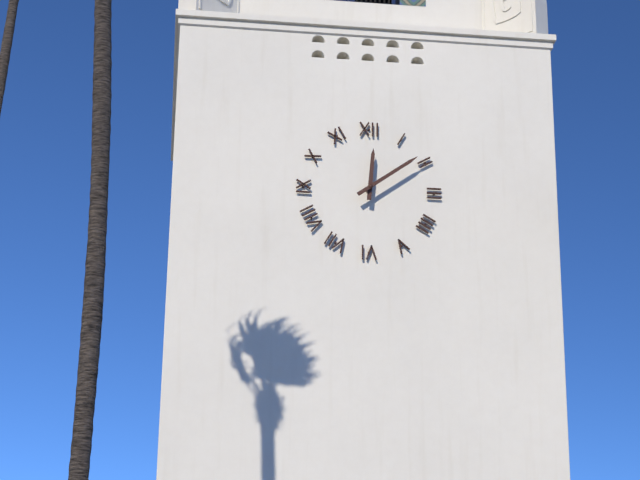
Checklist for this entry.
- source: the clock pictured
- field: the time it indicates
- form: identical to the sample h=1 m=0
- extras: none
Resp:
h=12 m=9
